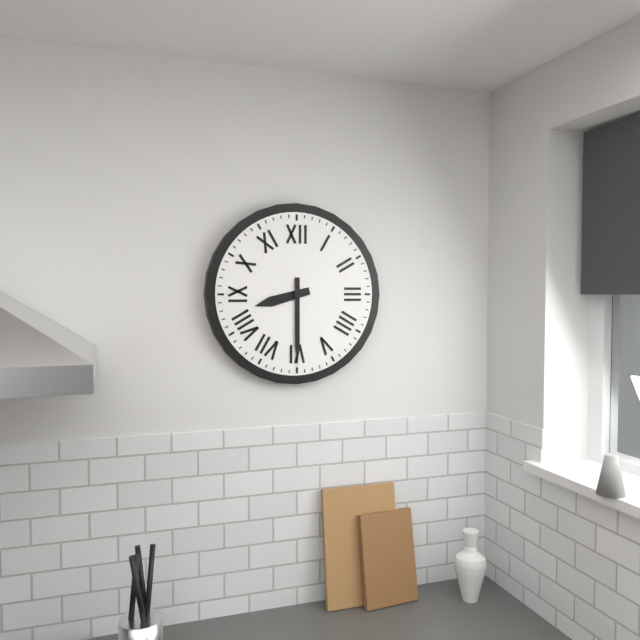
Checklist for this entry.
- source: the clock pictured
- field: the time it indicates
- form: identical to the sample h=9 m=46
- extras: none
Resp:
h=8 m=30
